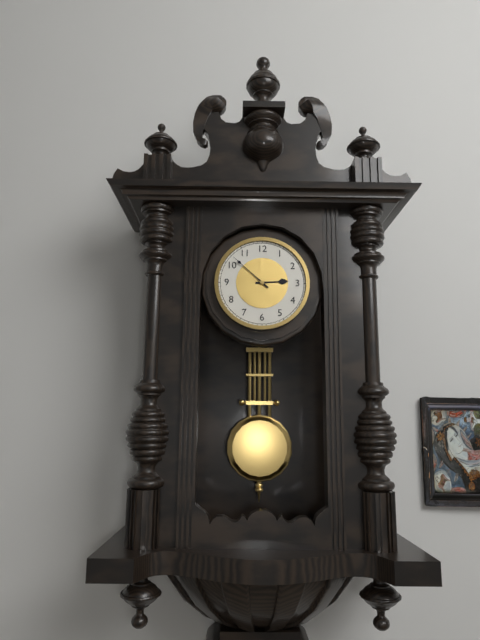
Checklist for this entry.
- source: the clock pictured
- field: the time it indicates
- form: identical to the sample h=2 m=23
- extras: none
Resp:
h=2 m=52
